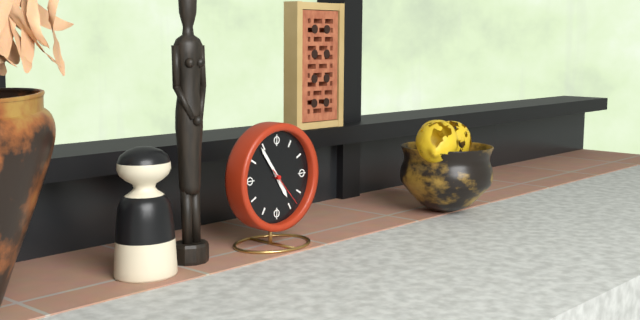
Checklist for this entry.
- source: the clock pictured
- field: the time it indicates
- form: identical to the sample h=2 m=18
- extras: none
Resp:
h=4 m=54
